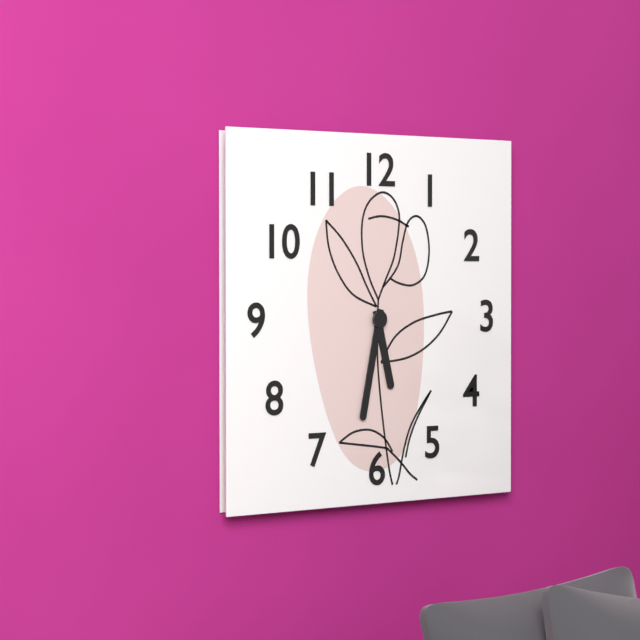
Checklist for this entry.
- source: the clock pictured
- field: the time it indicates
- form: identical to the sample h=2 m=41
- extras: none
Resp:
h=5 m=32
